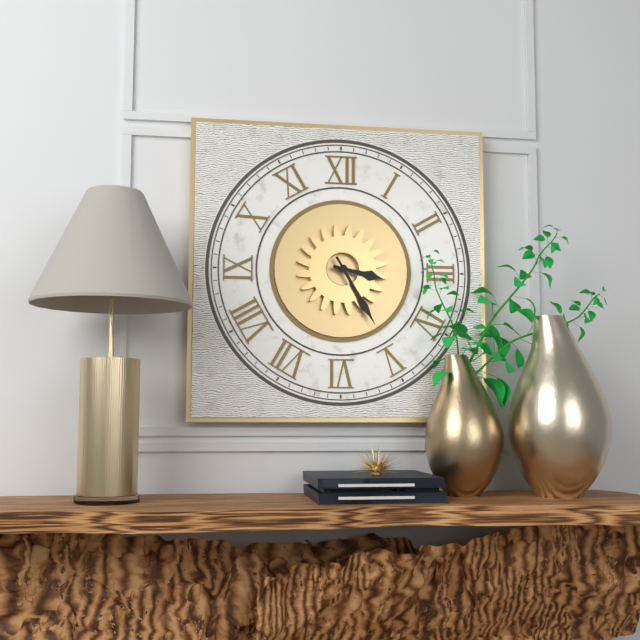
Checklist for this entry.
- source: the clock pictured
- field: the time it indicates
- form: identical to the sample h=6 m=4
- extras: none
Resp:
h=3 m=25
